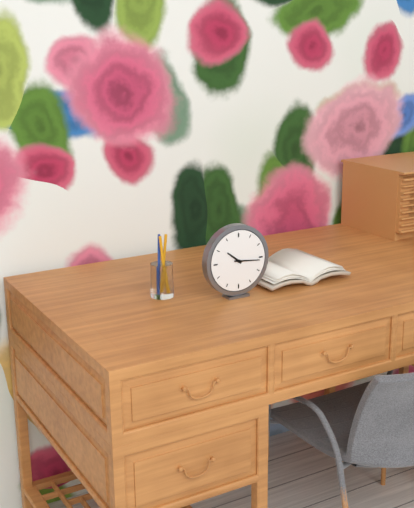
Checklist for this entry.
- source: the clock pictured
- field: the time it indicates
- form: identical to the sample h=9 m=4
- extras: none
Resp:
h=10 m=16
